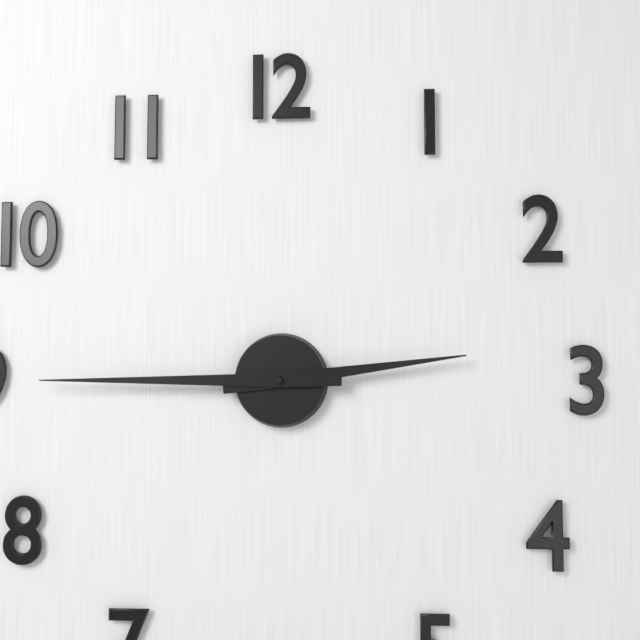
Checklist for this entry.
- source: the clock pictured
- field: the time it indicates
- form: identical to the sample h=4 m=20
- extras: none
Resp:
h=2 m=45
